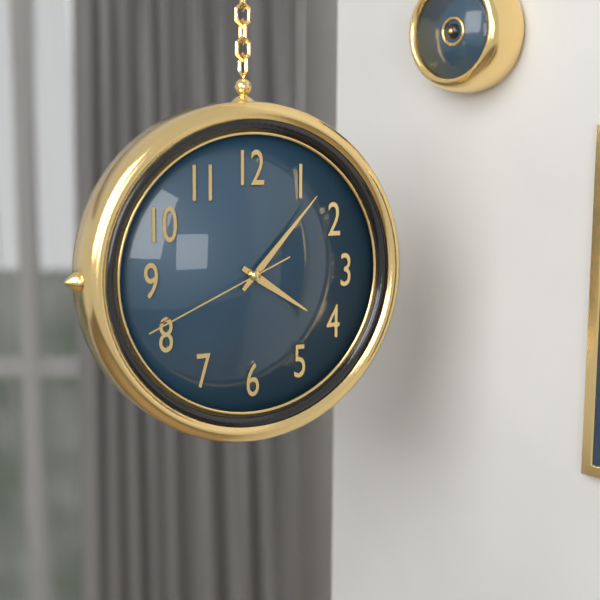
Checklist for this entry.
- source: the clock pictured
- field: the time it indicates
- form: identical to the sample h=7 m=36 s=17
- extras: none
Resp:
h=4 m=7 s=41
